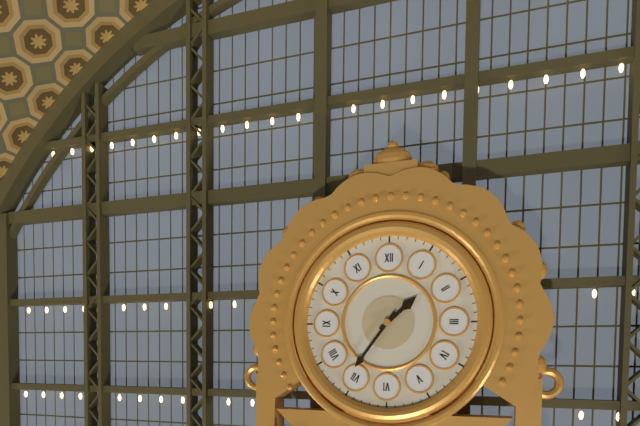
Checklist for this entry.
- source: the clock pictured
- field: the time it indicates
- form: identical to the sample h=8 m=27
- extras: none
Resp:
h=1 m=36
